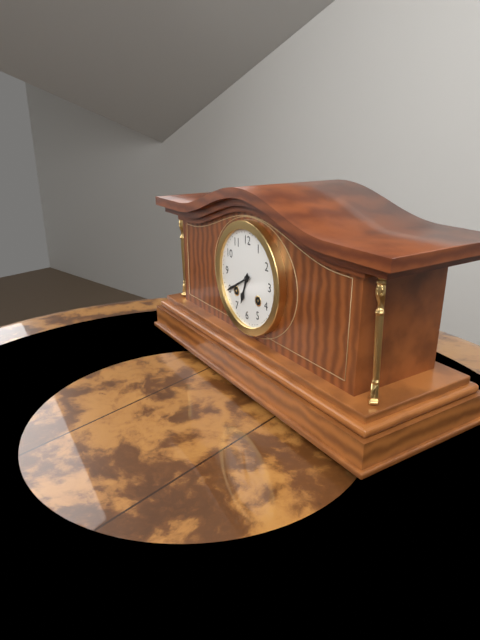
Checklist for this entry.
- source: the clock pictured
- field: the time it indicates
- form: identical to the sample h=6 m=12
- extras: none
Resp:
h=6 m=40
